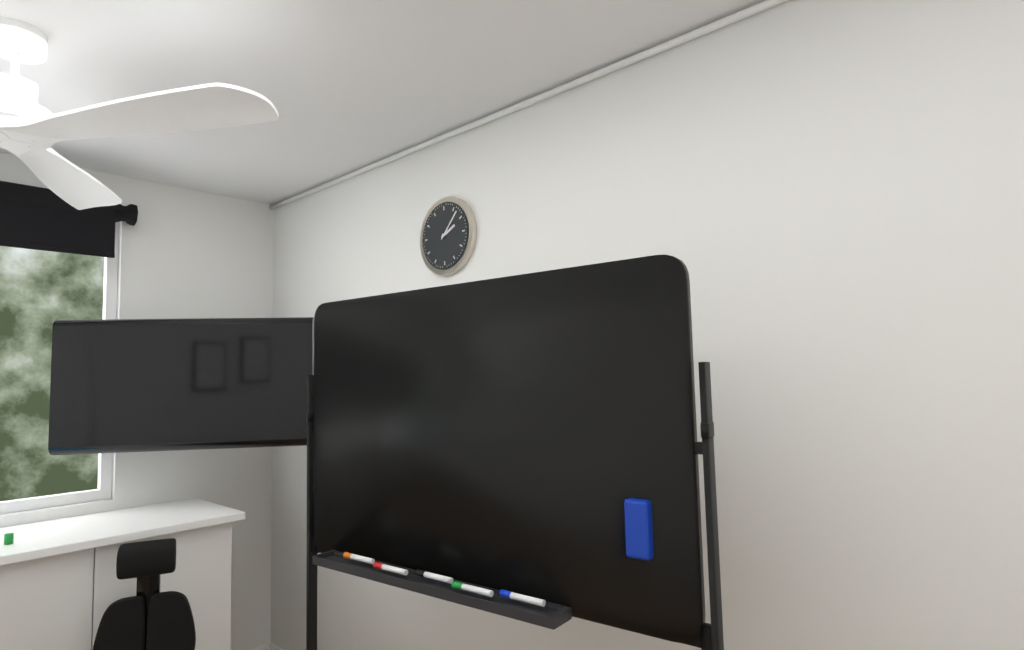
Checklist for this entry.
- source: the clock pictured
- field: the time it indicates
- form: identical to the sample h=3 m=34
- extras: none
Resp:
h=2 m=7
